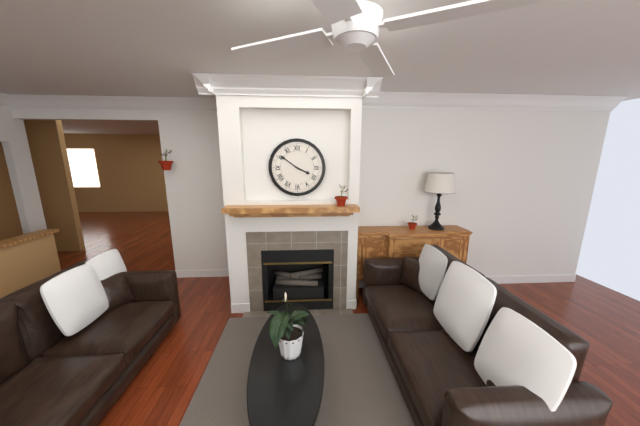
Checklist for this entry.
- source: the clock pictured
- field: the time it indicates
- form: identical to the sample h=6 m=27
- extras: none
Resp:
h=3 m=51
